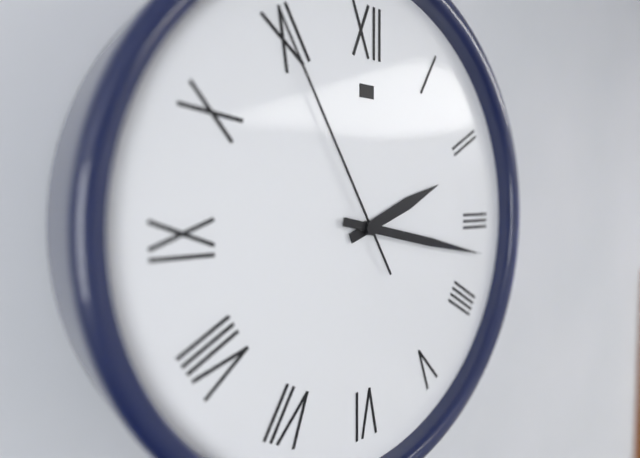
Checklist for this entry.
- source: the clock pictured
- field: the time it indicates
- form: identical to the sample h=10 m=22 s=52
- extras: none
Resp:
h=2 m=17 s=55
